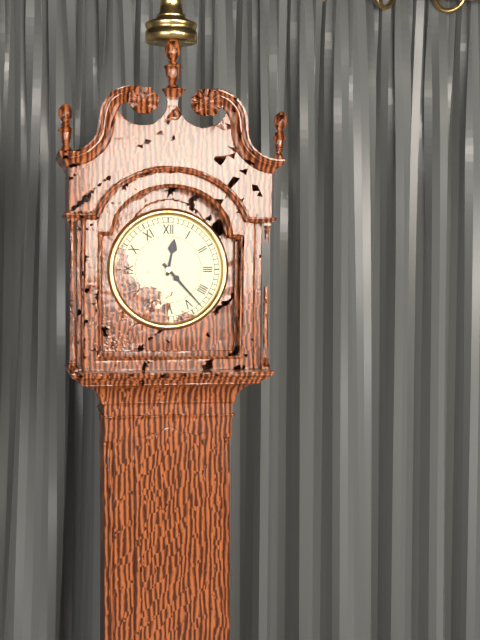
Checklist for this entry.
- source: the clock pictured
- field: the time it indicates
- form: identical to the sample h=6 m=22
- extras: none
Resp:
h=12 m=23
